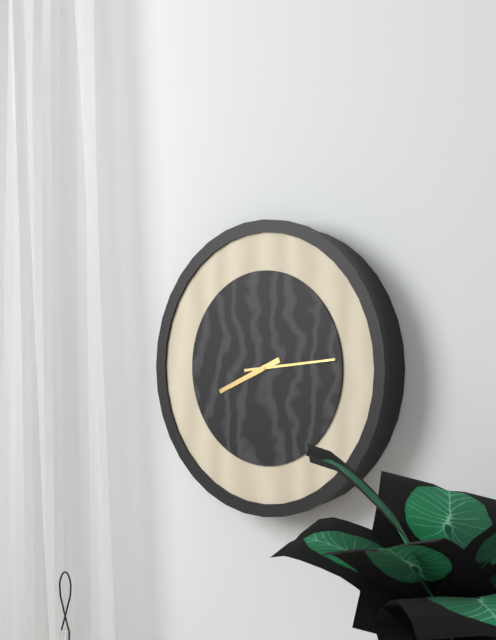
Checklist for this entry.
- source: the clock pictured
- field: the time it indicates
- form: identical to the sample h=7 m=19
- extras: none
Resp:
h=8 m=14
